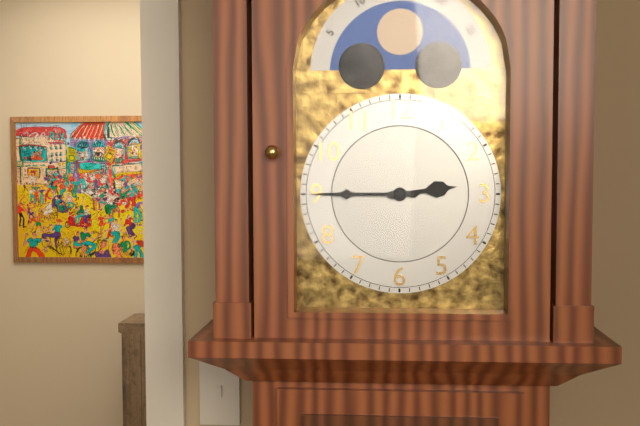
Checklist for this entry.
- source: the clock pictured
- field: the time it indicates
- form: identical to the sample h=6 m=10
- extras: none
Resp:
h=2 m=45
